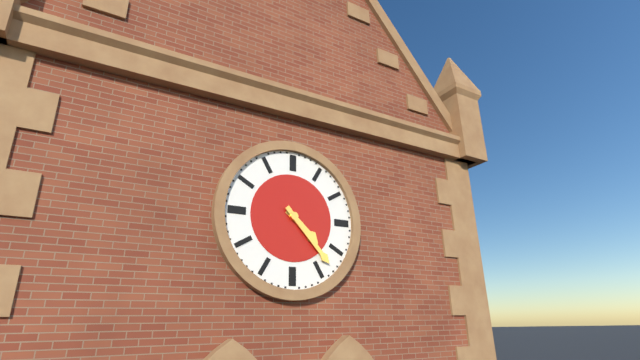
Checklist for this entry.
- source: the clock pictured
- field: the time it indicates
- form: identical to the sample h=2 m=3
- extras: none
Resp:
h=4 m=23
